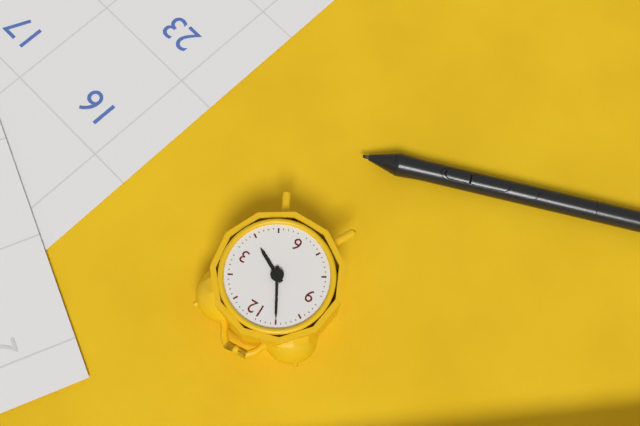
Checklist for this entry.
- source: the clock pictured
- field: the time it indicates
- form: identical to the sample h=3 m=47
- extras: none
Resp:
h=3 m=55
